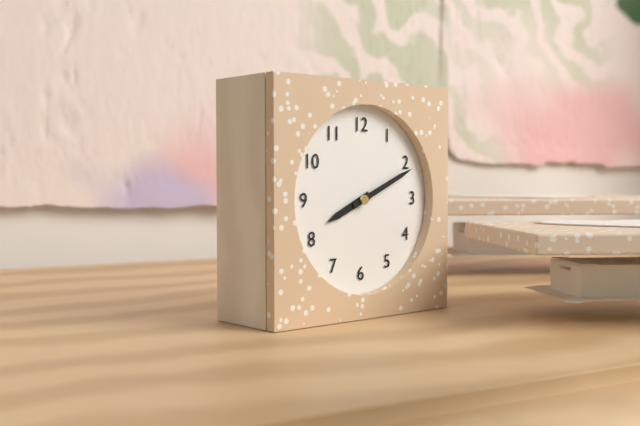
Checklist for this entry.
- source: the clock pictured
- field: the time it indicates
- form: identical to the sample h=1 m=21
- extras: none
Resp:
h=8 m=11
